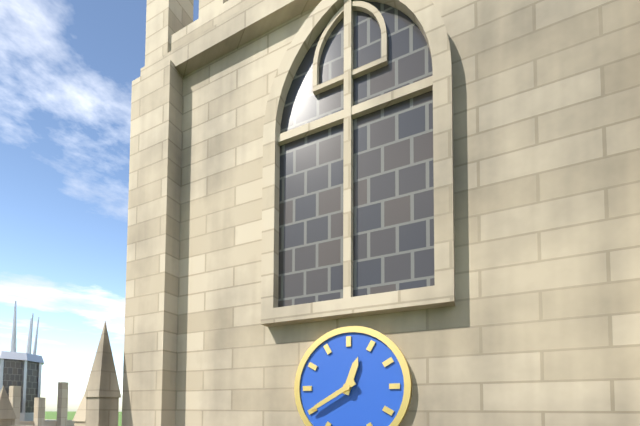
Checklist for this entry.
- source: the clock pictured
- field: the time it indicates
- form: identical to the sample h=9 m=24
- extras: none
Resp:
h=12 m=40
